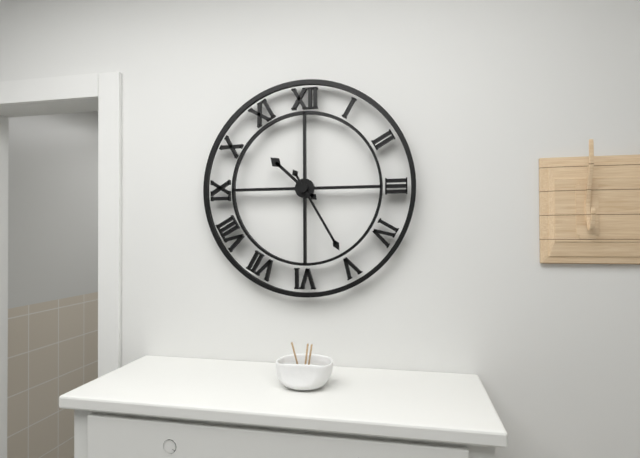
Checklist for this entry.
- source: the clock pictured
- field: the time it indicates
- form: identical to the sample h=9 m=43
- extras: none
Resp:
h=10 m=25
